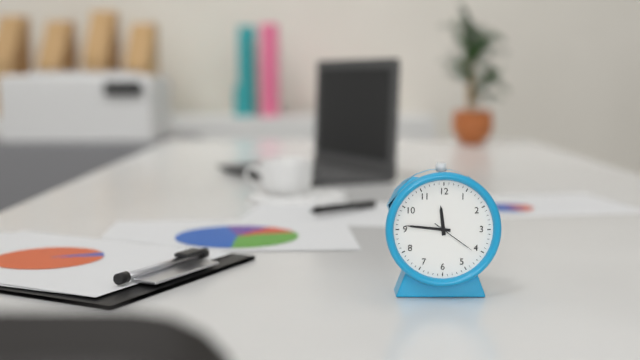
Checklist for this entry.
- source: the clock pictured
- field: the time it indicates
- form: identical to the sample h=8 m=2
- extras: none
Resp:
h=11 m=46
